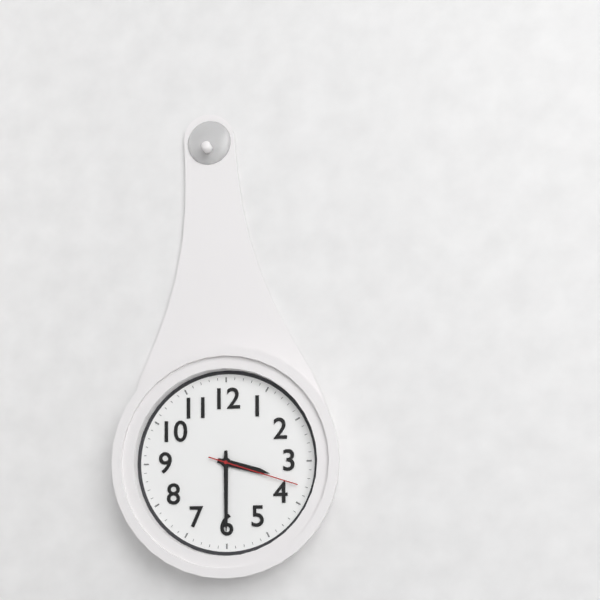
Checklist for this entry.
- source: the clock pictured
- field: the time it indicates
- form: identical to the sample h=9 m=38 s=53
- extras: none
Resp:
h=3 m=30 s=18
